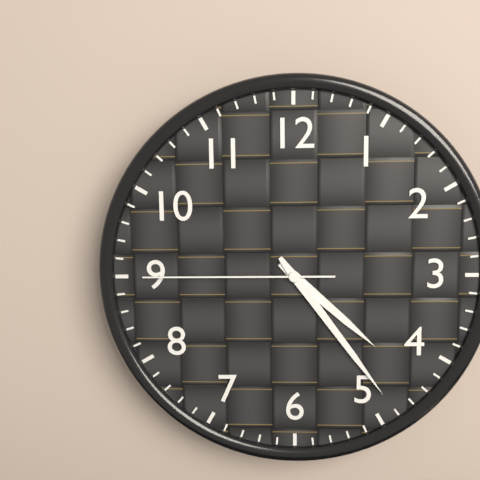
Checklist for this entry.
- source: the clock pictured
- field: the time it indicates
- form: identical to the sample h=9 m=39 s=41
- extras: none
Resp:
h=4 m=24 s=45
